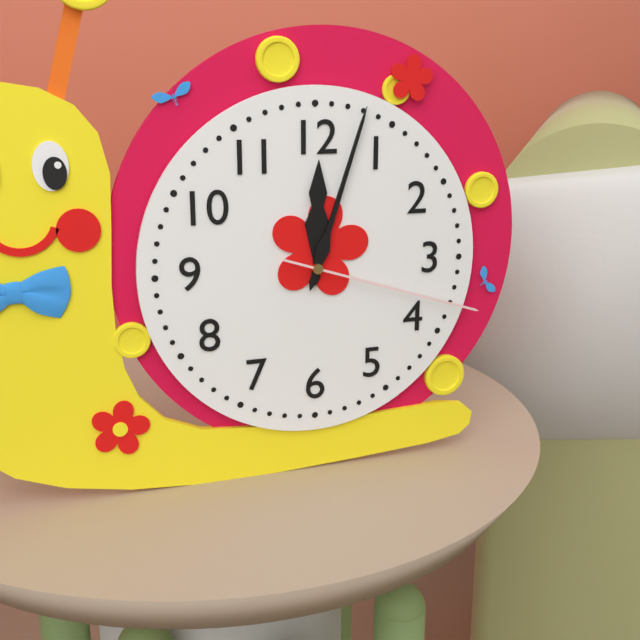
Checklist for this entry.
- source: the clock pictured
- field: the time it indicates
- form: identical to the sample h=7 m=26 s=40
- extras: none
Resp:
h=12 m=3 s=18
